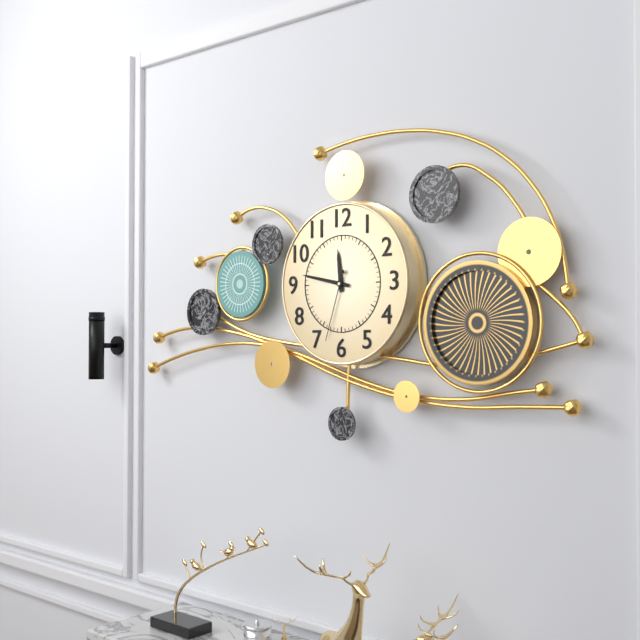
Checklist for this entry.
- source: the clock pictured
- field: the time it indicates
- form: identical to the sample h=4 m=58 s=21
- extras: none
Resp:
h=11 m=47 s=33
